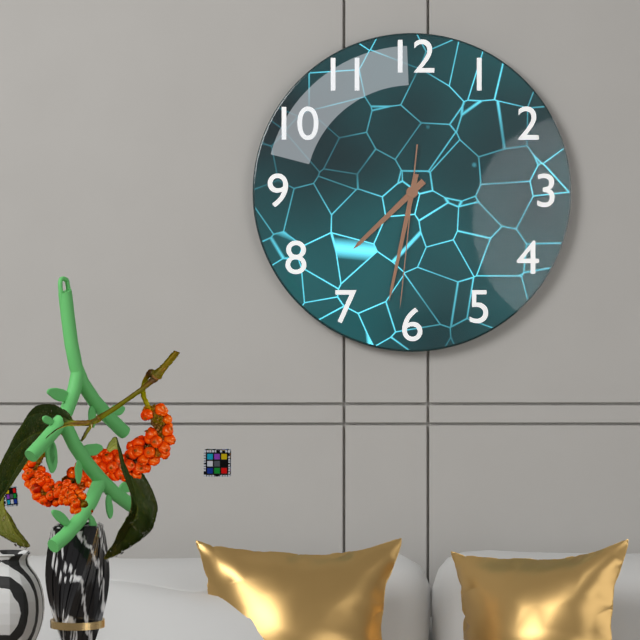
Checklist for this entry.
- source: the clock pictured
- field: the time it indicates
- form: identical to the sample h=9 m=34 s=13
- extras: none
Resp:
h=7 m=32 s=31
